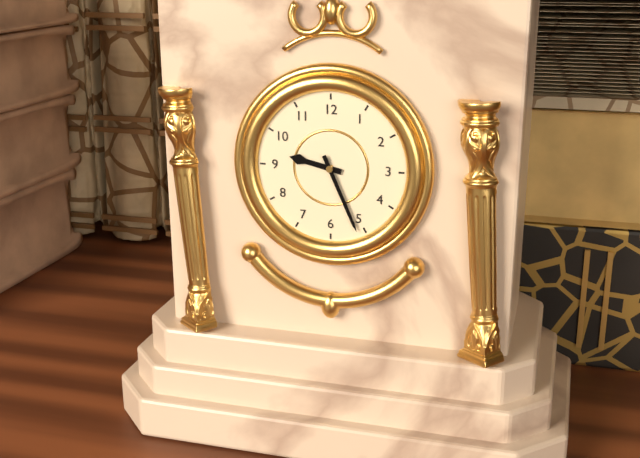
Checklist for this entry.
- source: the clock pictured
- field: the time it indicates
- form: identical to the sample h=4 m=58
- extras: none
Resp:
h=9 m=26
